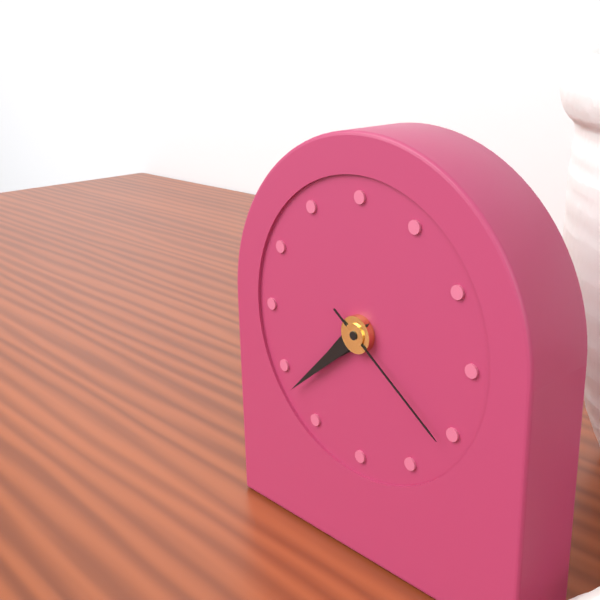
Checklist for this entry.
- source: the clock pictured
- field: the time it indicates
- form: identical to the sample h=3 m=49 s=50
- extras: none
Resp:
h=7 m=38 s=21
